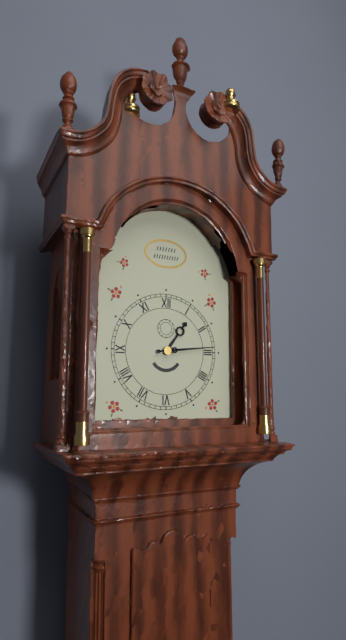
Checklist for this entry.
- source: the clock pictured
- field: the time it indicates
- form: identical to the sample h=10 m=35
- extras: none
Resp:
h=1 m=14
